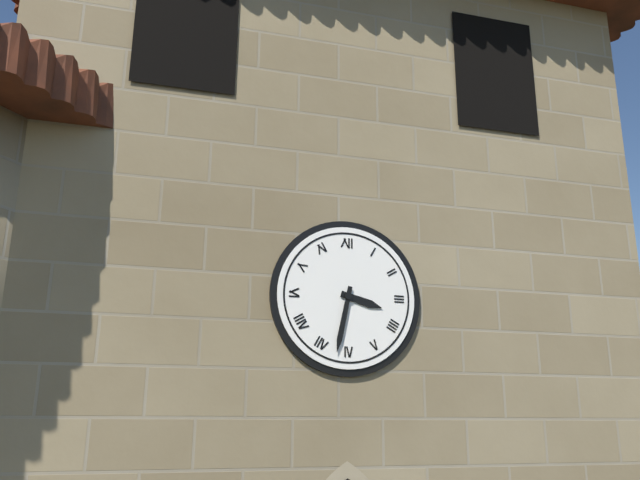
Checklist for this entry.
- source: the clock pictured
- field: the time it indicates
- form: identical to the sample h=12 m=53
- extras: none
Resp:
h=3 m=32
